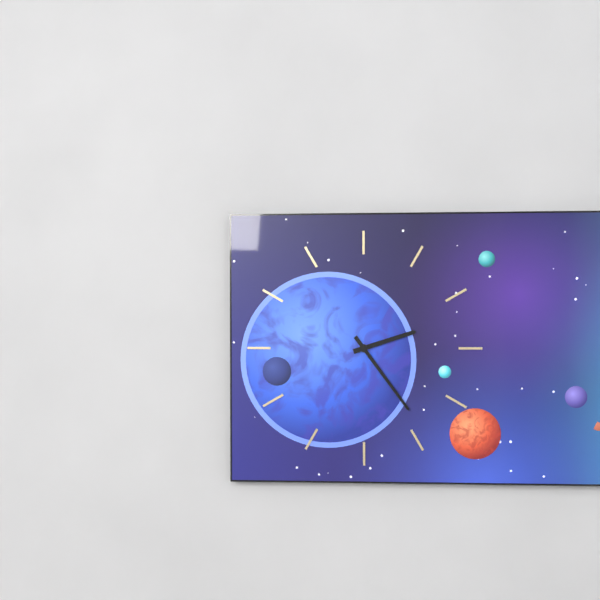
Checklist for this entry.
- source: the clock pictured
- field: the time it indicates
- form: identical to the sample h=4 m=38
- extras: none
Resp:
h=2 m=24
